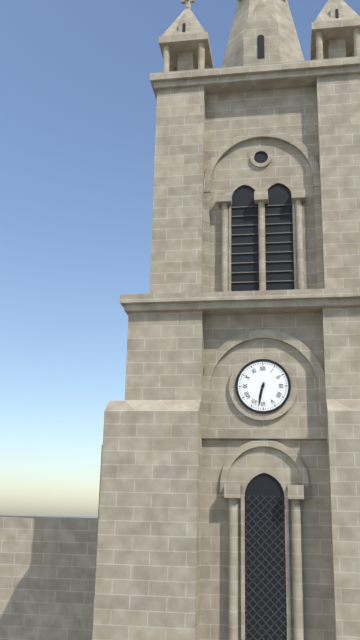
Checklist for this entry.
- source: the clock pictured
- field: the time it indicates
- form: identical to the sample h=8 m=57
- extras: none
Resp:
h=6 m=32
